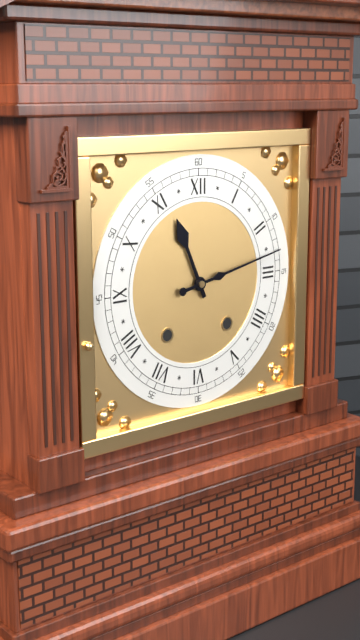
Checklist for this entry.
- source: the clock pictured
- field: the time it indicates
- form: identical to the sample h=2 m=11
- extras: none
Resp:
h=11 m=13
